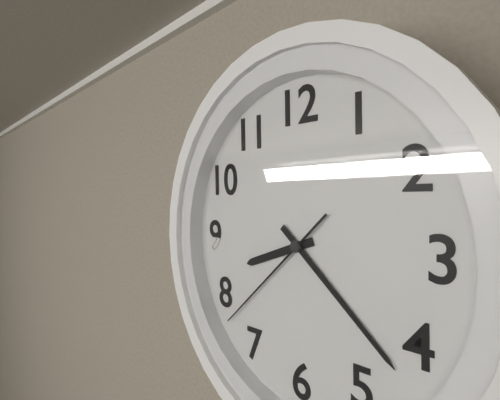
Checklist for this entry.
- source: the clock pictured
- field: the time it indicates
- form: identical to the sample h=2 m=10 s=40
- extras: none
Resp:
h=8 m=22 s=38
